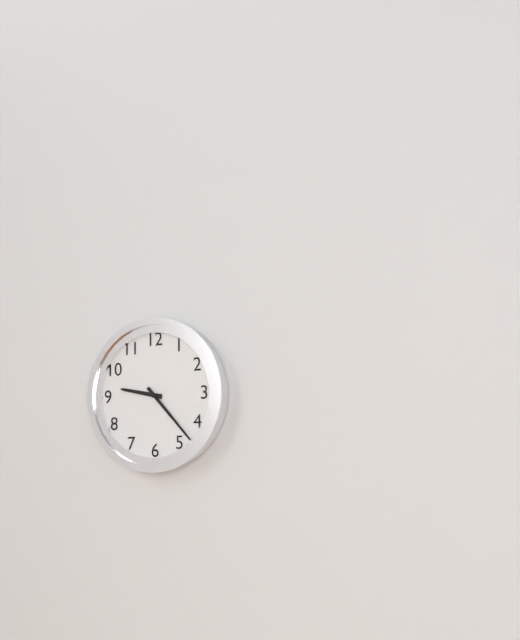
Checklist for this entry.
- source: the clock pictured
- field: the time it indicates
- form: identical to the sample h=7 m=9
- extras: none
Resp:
h=9 m=23
